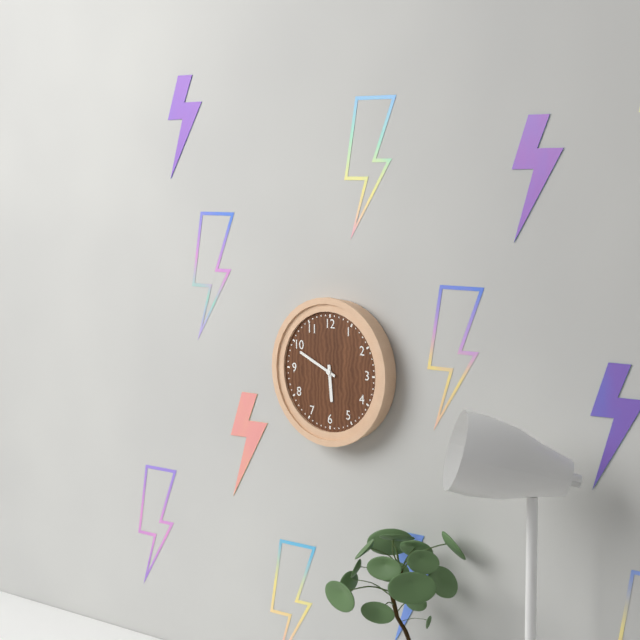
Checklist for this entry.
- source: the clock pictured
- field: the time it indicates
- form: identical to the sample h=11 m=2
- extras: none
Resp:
h=5 m=49
